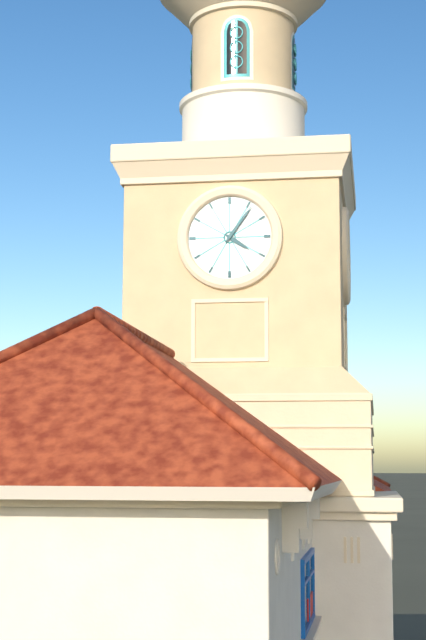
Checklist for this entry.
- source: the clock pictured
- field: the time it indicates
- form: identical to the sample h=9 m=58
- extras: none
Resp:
h=4 m=6
